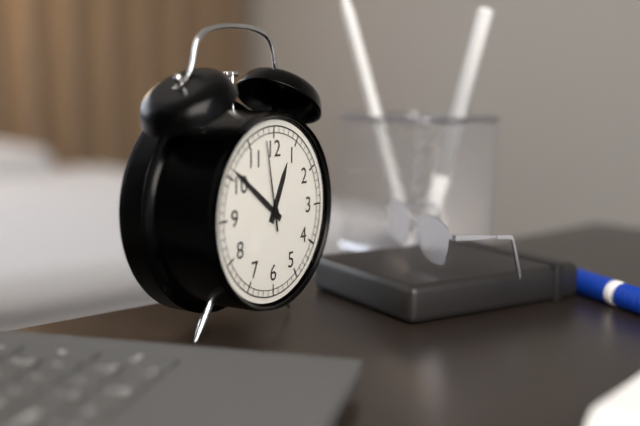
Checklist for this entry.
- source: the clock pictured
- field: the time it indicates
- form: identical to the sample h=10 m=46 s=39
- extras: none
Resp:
h=12 m=51 s=58
